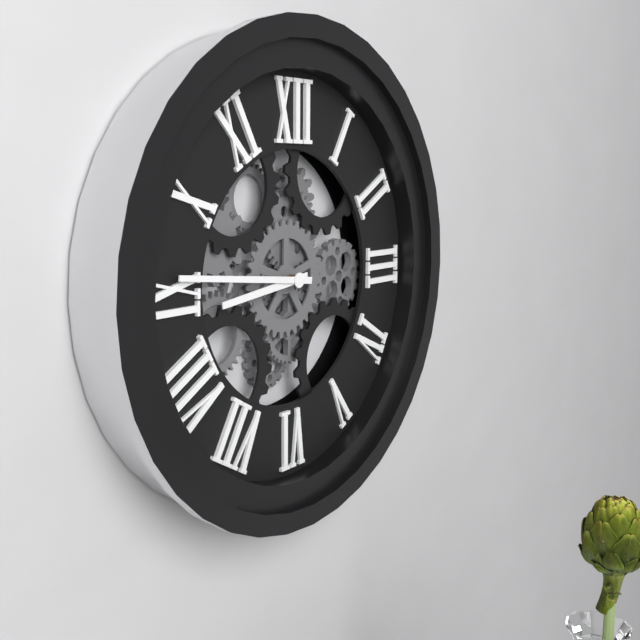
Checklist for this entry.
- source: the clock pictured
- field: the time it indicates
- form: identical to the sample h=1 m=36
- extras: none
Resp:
h=8 m=46
